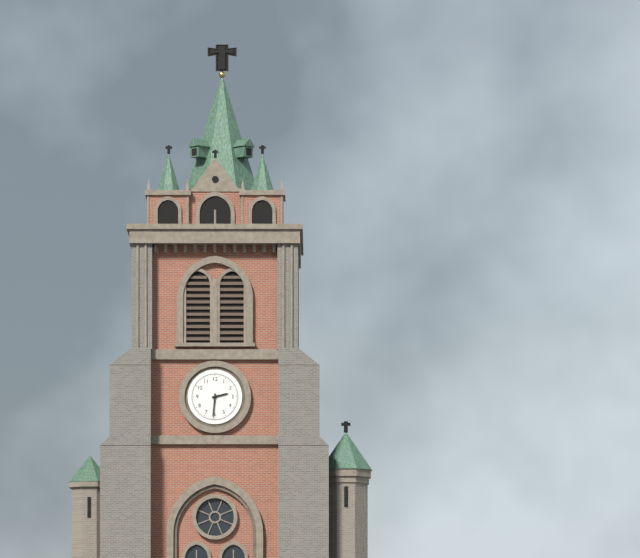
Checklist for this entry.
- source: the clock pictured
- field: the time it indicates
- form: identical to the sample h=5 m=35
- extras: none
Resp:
h=2 m=31
